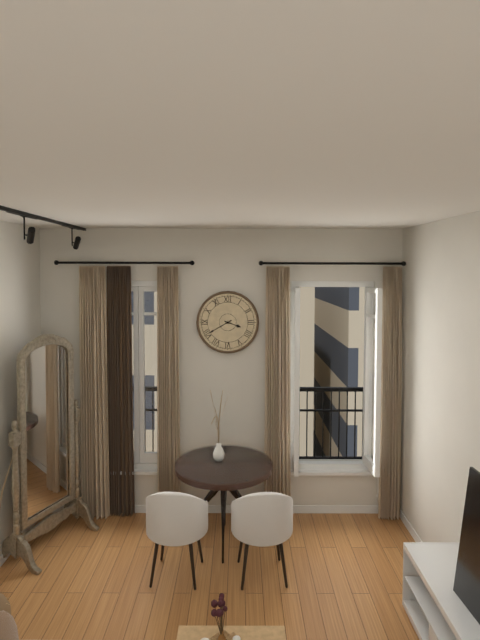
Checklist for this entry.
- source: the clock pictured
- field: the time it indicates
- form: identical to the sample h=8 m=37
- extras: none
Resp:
h=3 m=40
